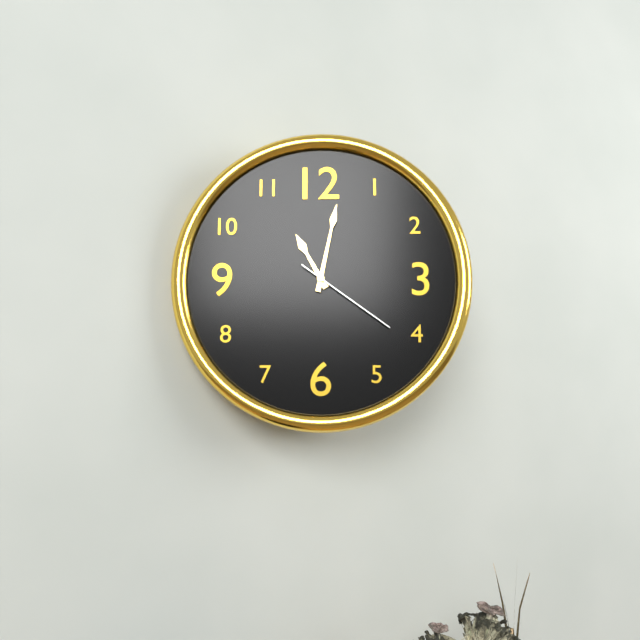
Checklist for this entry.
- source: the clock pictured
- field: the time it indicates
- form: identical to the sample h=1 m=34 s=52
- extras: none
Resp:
h=11 m=2 s=21
